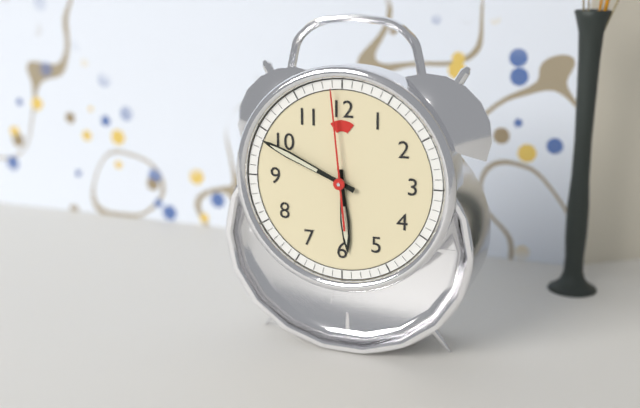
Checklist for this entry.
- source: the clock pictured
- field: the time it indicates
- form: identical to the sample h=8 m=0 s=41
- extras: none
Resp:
h=5 m=49 s=59
